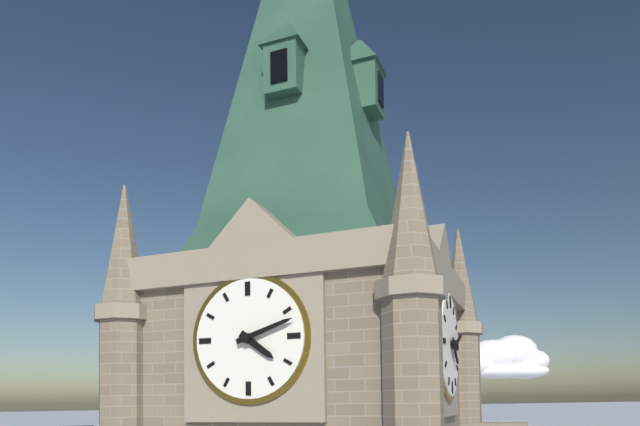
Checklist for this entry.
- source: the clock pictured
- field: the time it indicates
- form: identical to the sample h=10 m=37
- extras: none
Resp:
h=4 m=12
